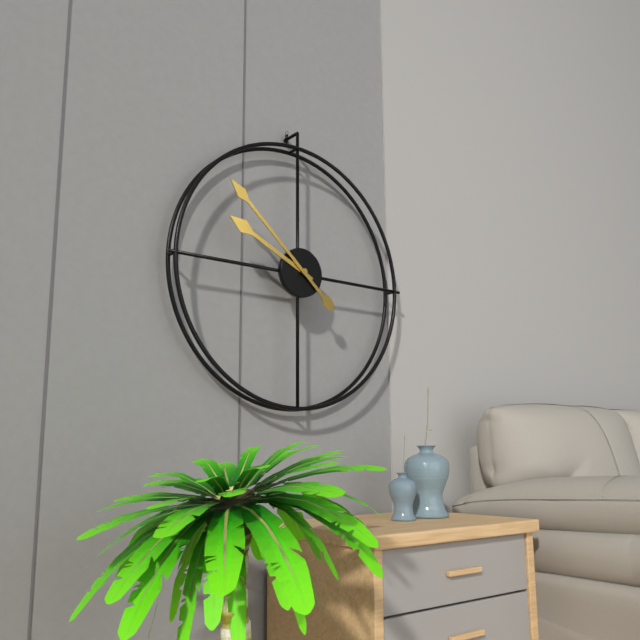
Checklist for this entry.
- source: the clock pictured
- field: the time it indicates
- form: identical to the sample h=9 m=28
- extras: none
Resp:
h=9 m=52
